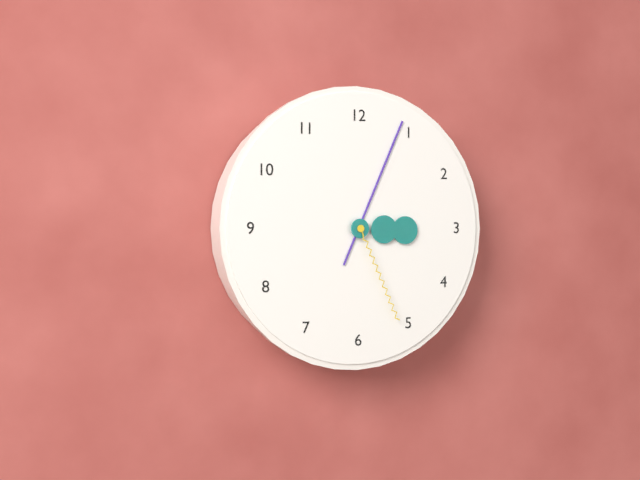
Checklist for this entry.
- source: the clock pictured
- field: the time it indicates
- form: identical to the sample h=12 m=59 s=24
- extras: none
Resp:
h=3 m=4 s=26
